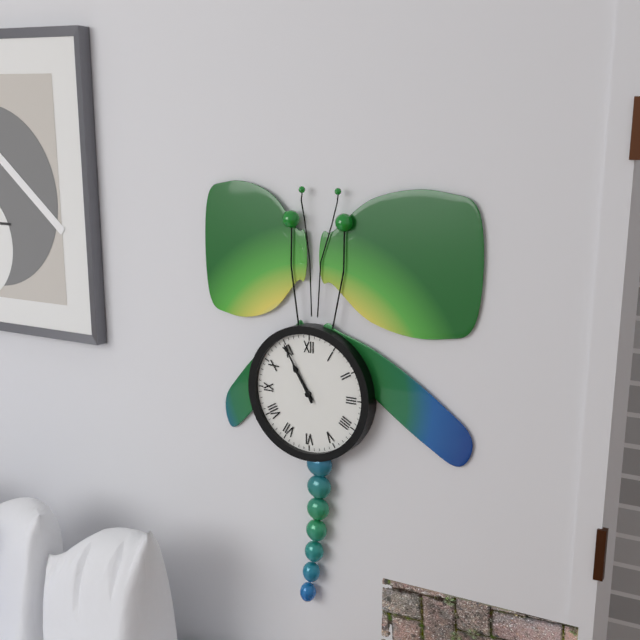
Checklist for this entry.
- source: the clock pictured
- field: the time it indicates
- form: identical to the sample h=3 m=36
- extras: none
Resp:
h=10 m=55
